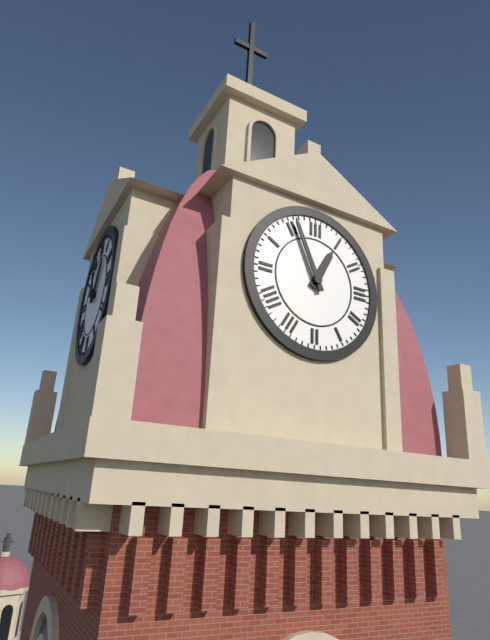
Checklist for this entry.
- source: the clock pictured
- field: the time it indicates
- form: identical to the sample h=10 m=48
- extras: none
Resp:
h=12 m=56
